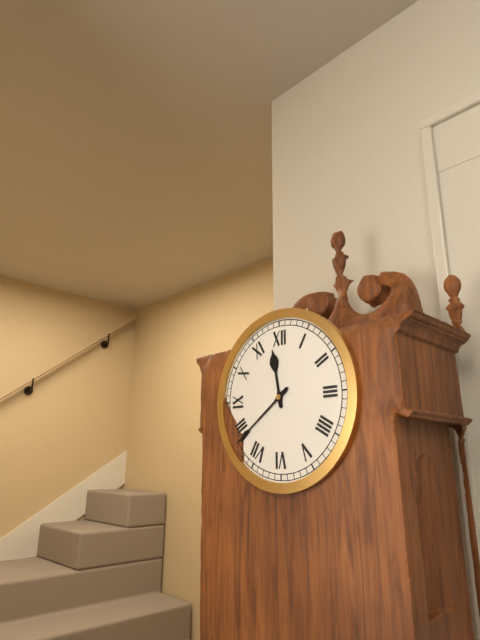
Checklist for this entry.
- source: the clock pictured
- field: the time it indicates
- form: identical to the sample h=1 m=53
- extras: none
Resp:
h=11 m=39
